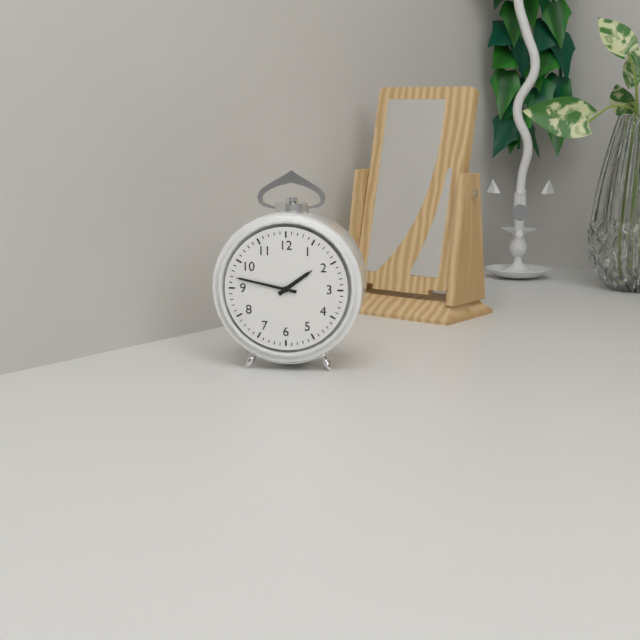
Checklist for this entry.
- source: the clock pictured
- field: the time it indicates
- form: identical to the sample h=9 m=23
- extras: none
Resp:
h=1 m=47
